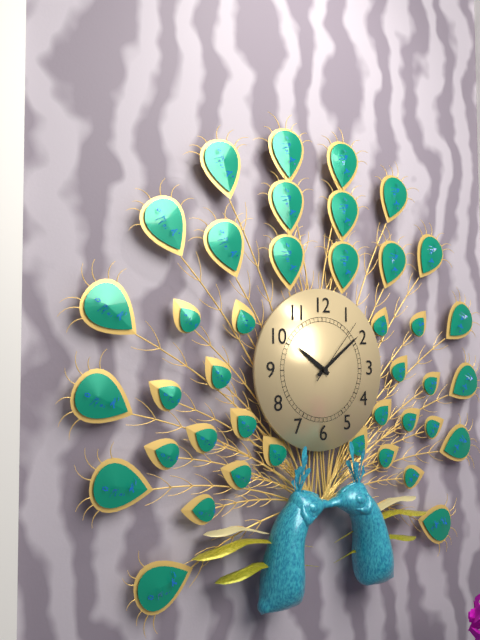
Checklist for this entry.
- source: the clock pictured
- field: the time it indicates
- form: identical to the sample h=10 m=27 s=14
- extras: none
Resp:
h=10 m=9 s=7
